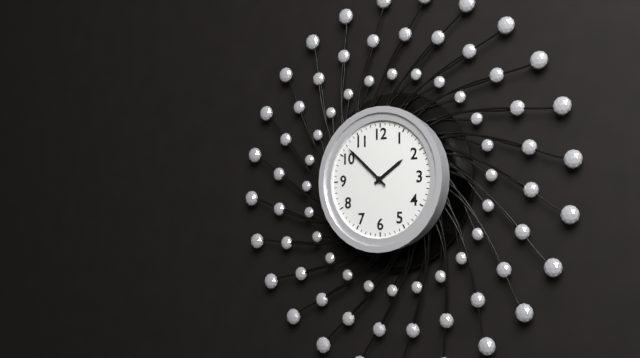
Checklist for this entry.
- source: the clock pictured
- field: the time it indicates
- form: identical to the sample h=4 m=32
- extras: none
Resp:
h=1 m=52
